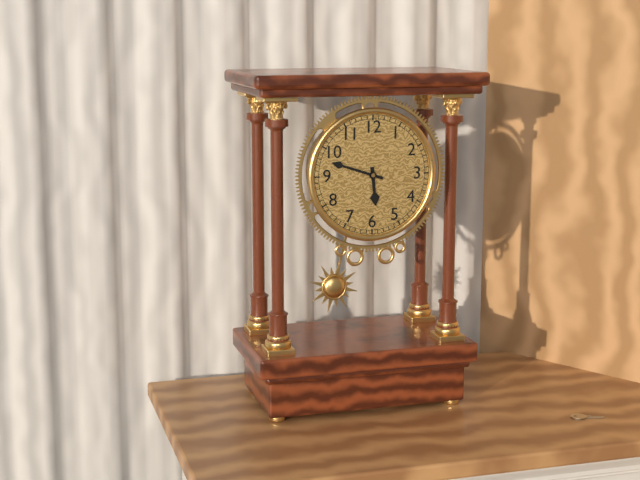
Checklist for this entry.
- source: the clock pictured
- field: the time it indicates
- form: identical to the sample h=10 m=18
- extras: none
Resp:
h=5 m=48
